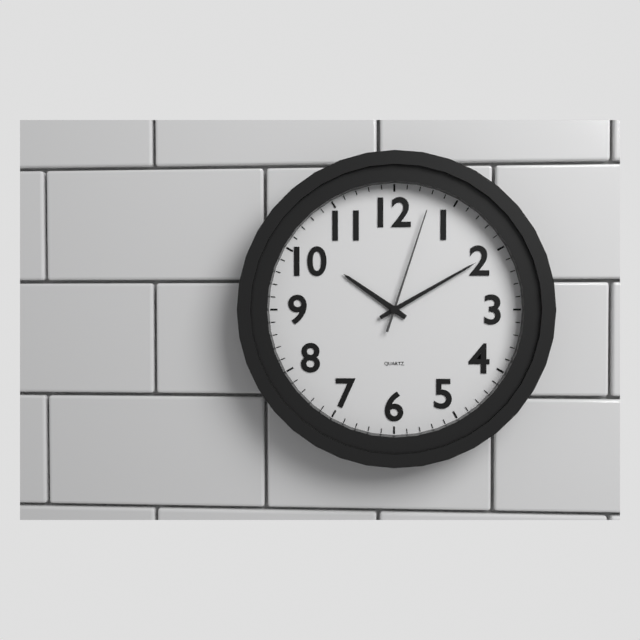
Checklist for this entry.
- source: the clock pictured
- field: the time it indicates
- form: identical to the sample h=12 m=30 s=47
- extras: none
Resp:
h=10 m=10 s=3
